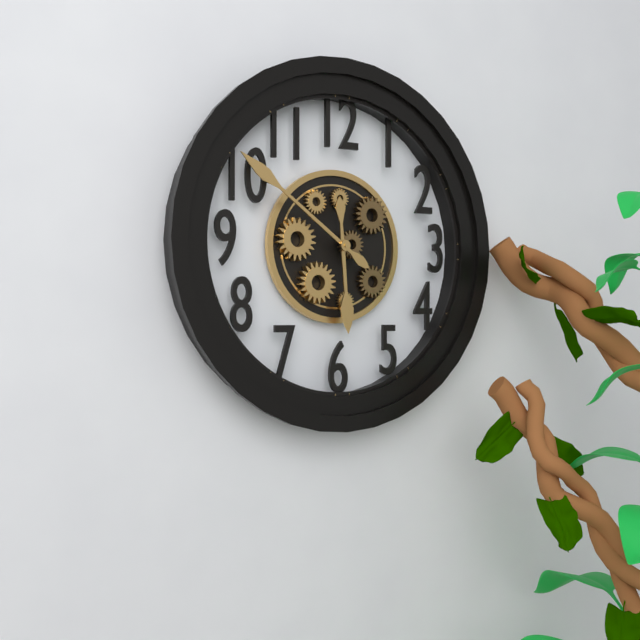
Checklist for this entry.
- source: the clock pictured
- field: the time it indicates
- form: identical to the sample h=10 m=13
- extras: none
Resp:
h=5 m=51
